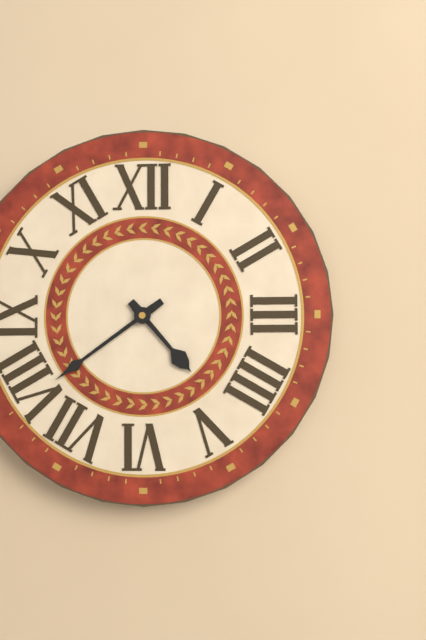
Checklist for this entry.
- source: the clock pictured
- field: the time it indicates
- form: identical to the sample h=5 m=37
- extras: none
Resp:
h=4 m=39
